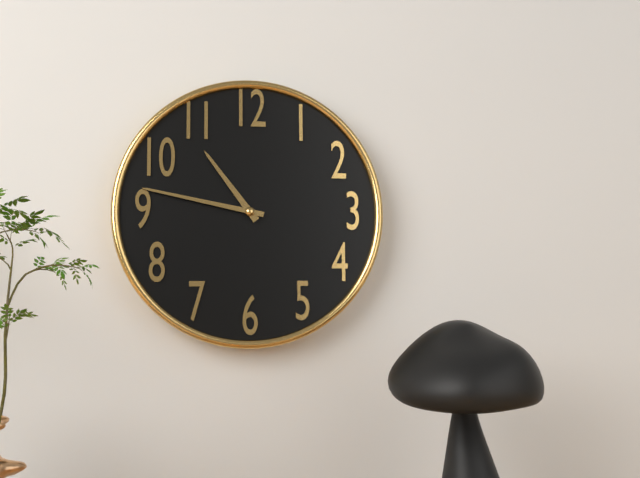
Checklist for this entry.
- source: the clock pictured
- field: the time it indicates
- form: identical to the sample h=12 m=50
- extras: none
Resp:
h=10 m=47
